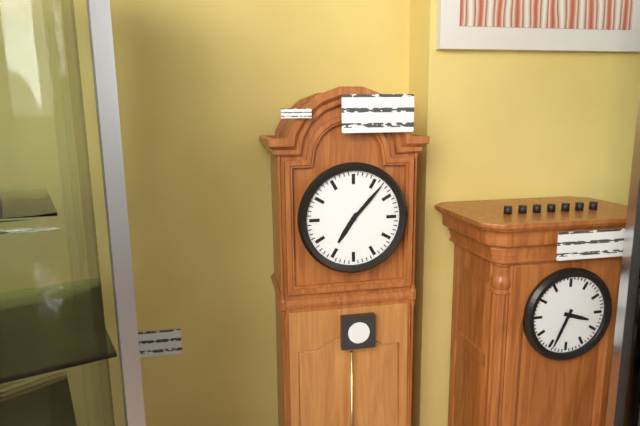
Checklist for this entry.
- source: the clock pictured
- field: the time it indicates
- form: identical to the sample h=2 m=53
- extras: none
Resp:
h=7 m=7
